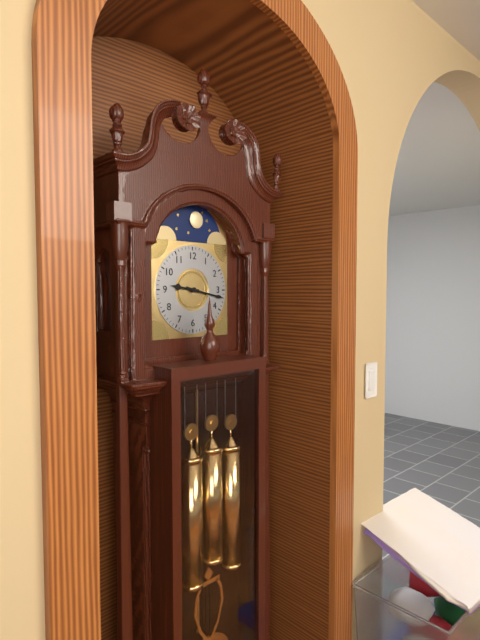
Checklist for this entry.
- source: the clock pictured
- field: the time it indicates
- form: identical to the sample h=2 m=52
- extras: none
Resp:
h=9 m=17
